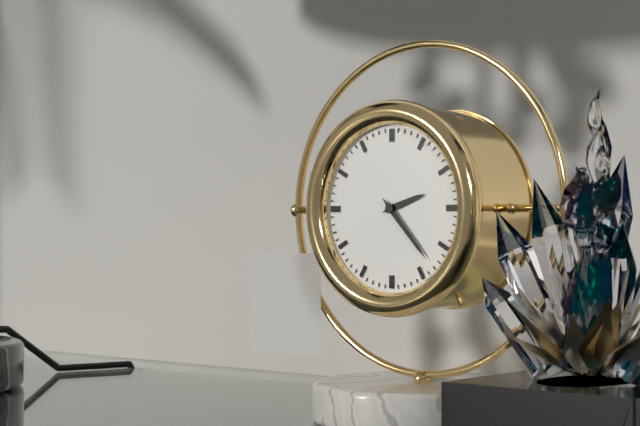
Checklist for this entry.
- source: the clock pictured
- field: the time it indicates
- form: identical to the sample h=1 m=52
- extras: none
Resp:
h=2 m=23
